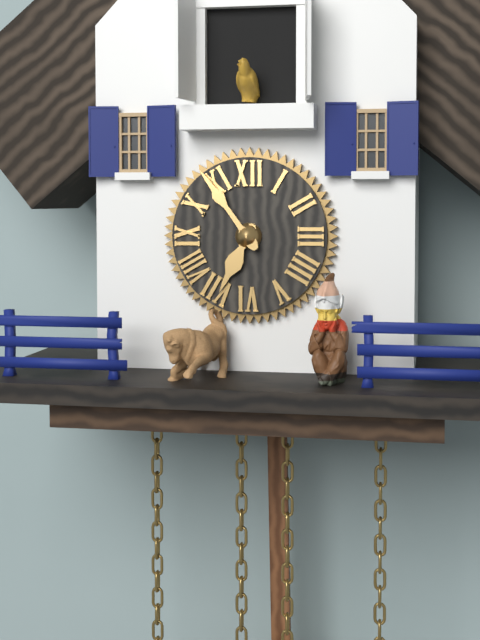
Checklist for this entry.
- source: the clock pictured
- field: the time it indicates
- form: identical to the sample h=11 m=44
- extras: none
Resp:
h=6 m=54
